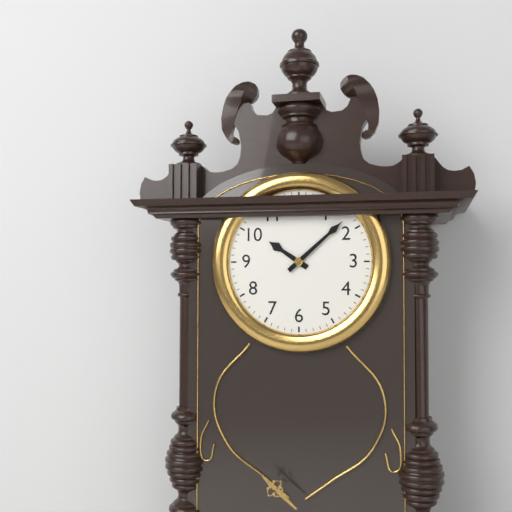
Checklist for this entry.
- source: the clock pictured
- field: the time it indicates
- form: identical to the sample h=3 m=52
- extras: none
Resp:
h=10 m=8
